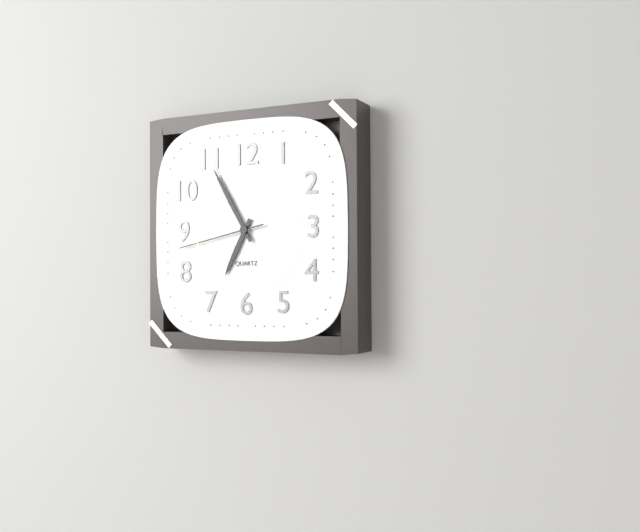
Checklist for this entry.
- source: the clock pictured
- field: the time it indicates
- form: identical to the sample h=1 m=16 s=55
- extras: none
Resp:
h=6 m=55 s=43
